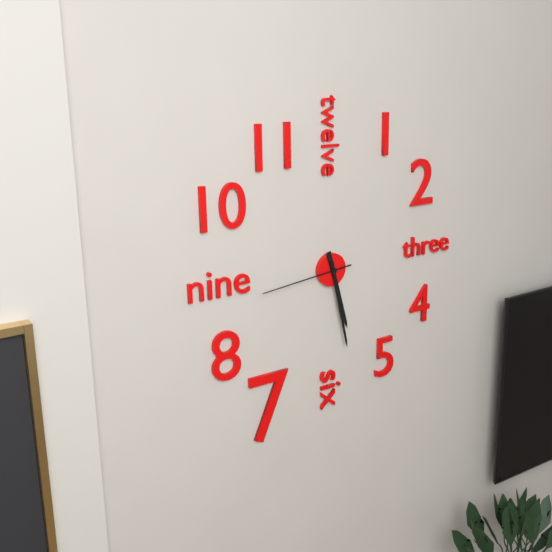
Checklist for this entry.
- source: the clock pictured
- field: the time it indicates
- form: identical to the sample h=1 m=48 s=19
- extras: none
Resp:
h=5 m=28 s=44
